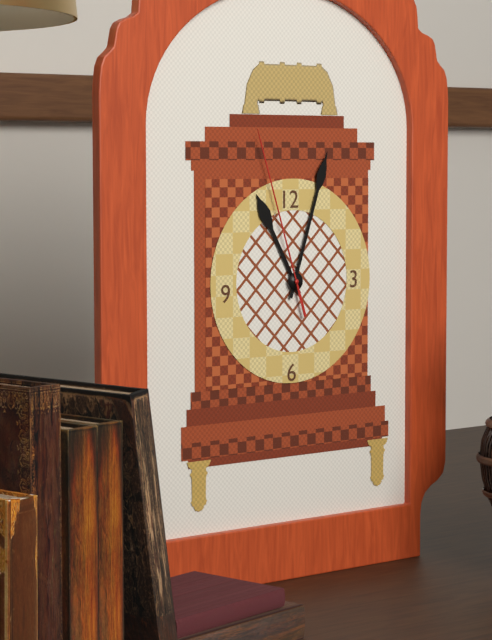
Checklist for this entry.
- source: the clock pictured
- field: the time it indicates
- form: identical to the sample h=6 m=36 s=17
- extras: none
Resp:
h=11 m=3 s=57
